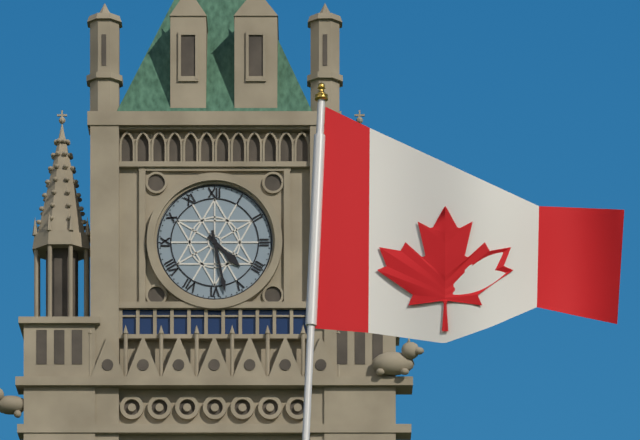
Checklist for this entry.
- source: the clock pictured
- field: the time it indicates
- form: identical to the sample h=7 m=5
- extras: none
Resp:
h=4 m=28
